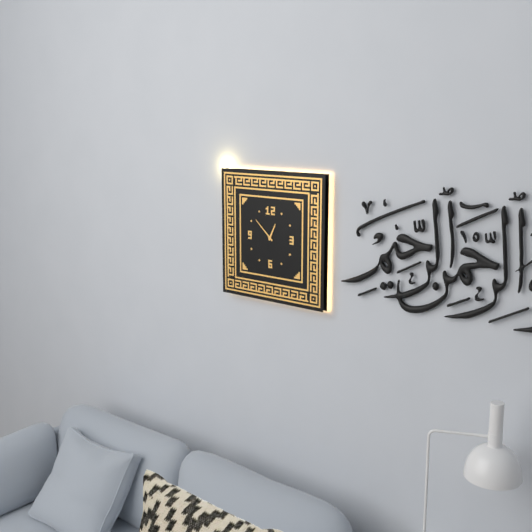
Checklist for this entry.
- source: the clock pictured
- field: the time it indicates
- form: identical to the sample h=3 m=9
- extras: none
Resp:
h=12 m=52
